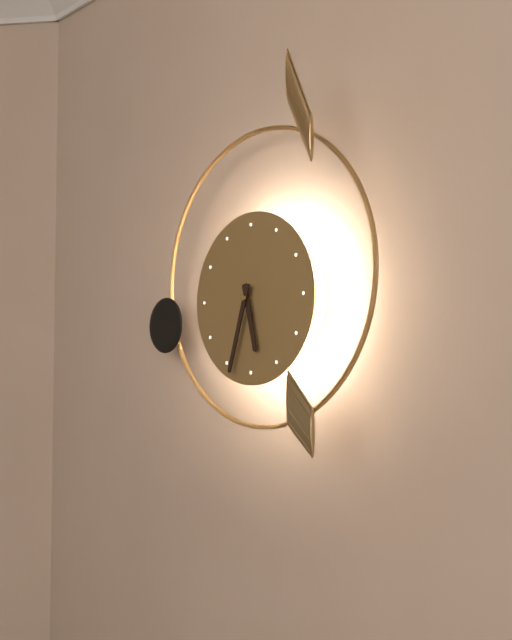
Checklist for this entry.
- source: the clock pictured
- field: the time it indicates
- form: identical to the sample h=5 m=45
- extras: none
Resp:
h=5 m=33
